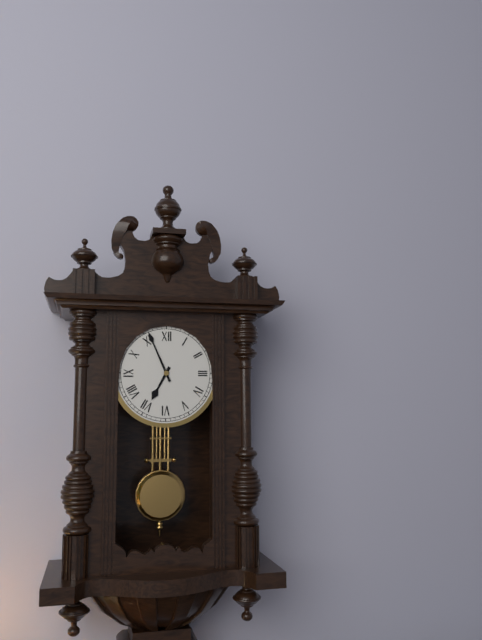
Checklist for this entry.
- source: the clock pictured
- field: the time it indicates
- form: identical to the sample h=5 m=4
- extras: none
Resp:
h=6 m=56
